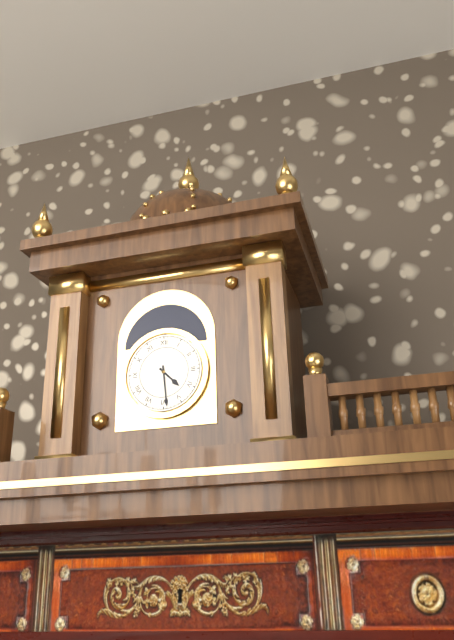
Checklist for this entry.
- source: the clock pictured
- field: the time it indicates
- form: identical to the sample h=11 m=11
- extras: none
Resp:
h=4 m=29
